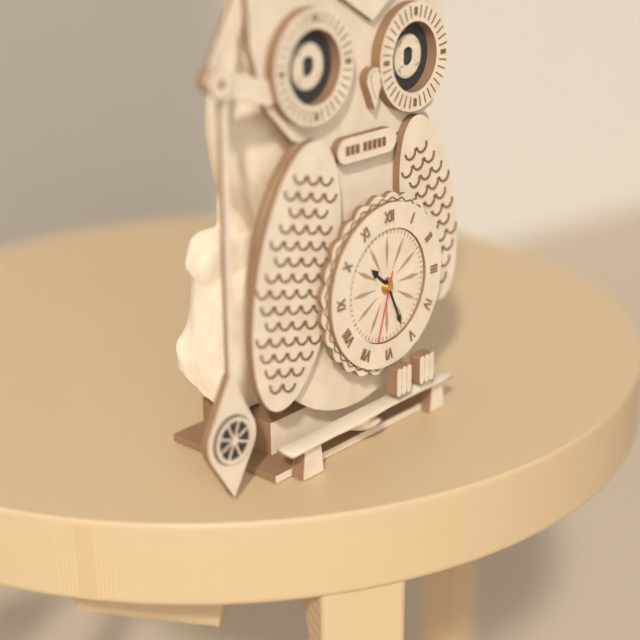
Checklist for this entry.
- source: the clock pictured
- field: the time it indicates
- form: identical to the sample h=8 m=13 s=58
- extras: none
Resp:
h=10 m=26 s=33
